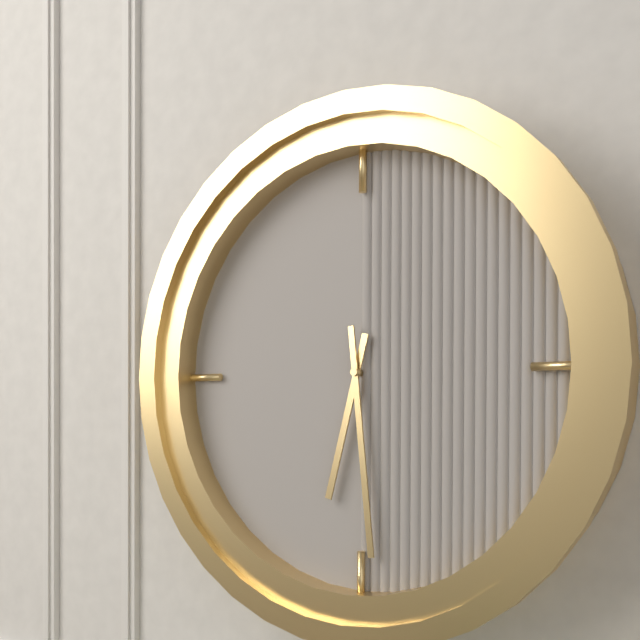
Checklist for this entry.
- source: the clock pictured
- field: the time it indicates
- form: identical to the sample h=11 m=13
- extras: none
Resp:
h=6 m=29
